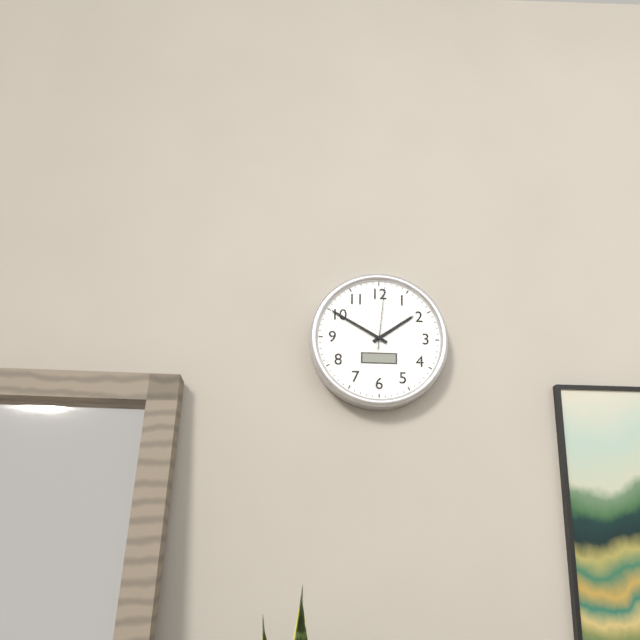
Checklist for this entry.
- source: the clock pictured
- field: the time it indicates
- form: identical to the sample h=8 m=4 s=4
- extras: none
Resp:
h=1 m=50 s=1
